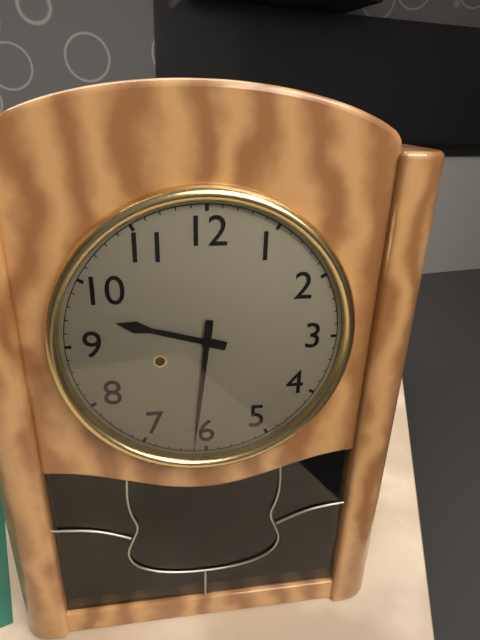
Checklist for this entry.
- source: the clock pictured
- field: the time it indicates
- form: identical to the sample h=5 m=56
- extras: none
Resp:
h=9 m=31
